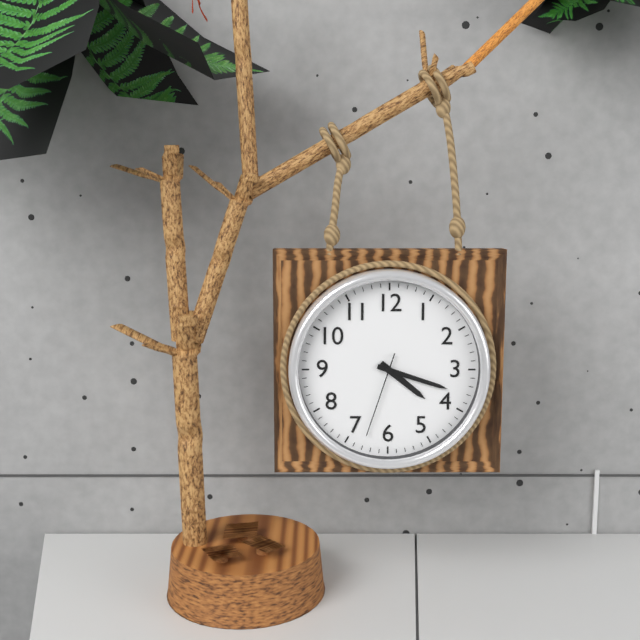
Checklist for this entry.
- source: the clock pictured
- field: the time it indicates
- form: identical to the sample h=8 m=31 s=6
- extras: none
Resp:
h=4 m=18 s=33
